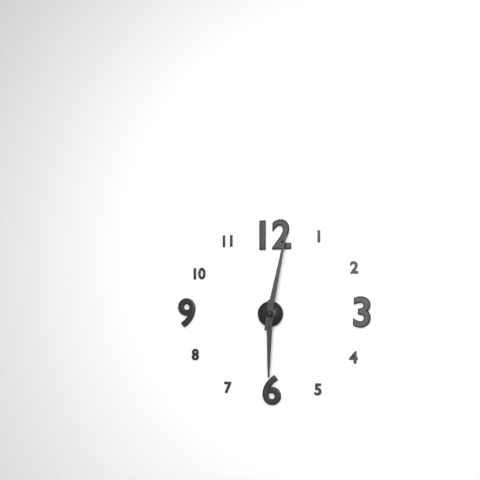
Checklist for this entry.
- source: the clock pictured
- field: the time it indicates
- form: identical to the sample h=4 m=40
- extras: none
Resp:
h=6 m=2
